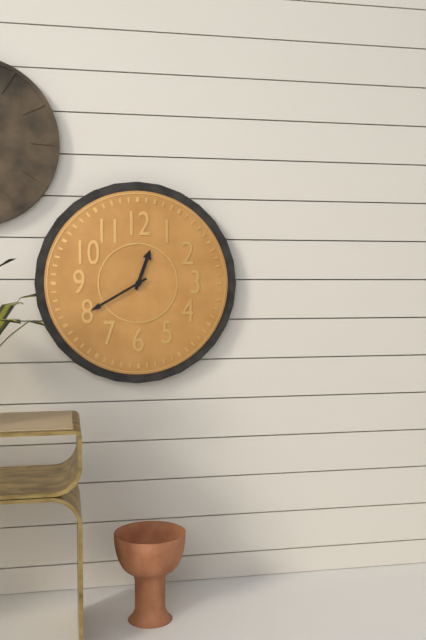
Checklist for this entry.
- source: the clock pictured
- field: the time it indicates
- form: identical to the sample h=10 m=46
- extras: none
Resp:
h=12 m=40
